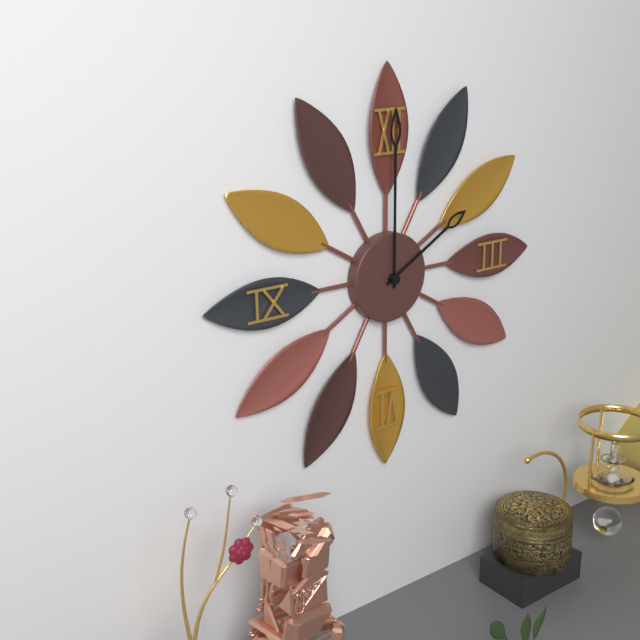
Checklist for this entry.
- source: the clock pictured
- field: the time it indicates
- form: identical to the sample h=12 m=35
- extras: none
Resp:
h=2 m=0
